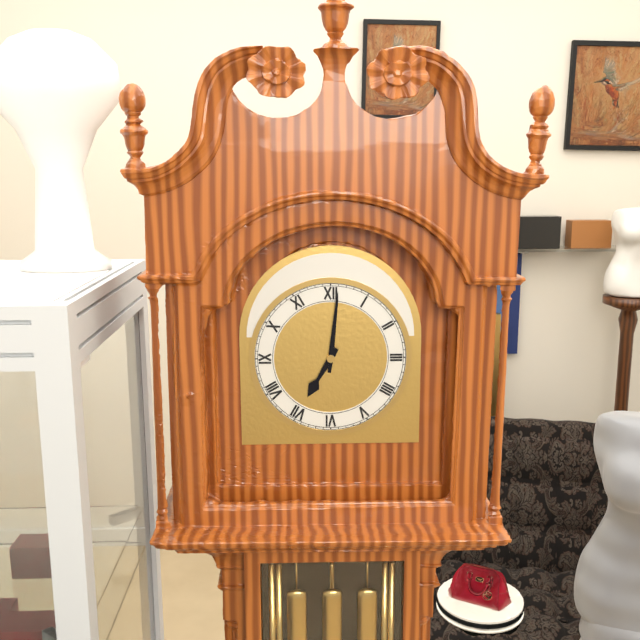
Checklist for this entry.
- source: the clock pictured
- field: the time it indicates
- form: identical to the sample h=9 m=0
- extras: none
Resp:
h=7 m=1
